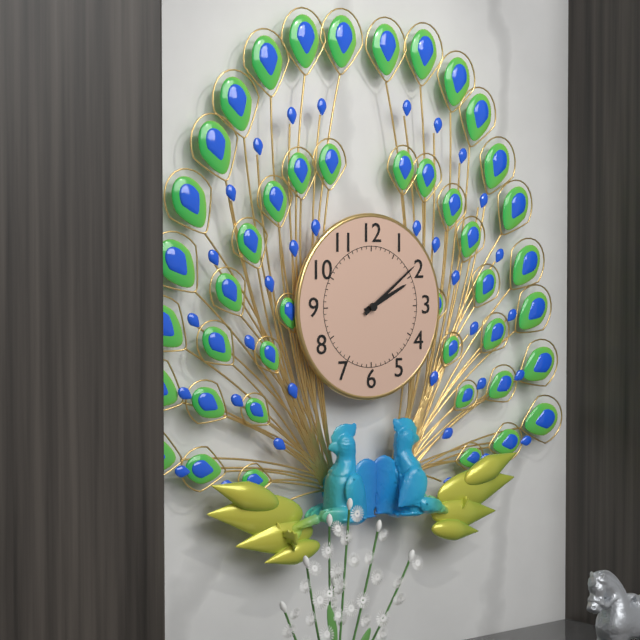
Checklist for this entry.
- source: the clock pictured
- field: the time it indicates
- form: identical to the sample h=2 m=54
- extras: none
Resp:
h=2 m=9
